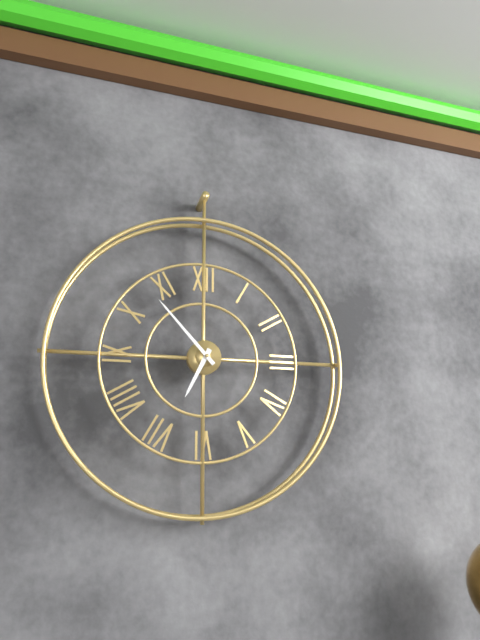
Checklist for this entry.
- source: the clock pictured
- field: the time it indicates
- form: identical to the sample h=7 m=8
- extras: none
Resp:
h=6 m=53
